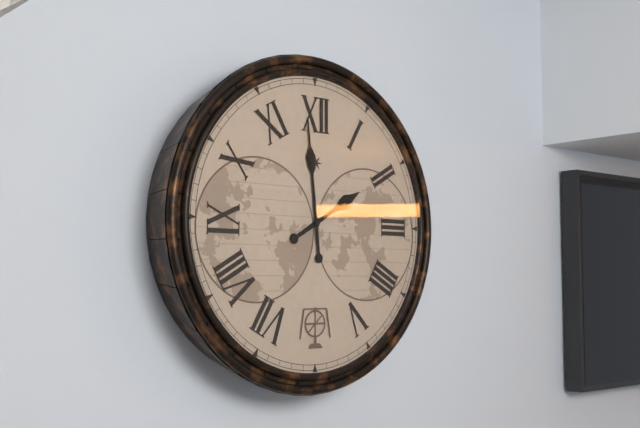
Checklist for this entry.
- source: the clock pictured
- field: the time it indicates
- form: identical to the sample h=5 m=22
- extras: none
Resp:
h=1 m=59
